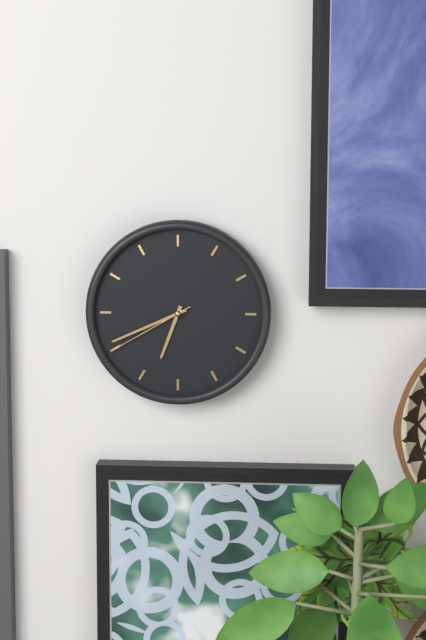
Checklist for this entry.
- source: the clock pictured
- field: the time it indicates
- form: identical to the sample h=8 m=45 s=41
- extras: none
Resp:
h=6 m=41 s=40
